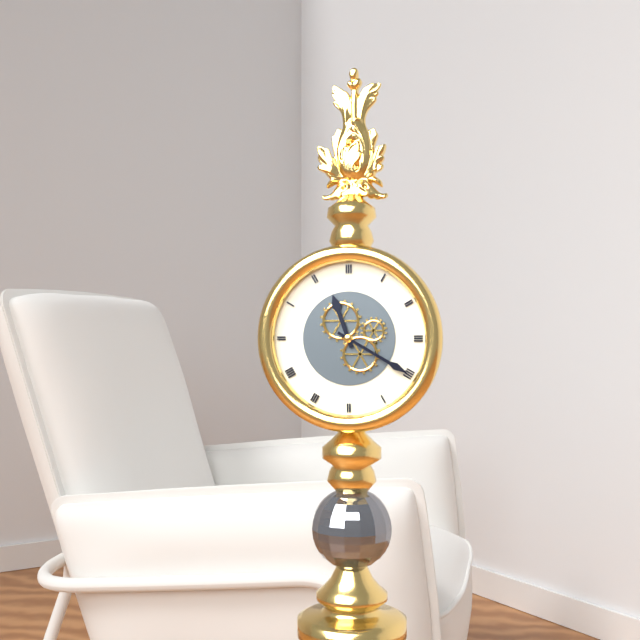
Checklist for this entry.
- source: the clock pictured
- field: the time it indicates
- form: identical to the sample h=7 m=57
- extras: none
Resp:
h=11 m=20
